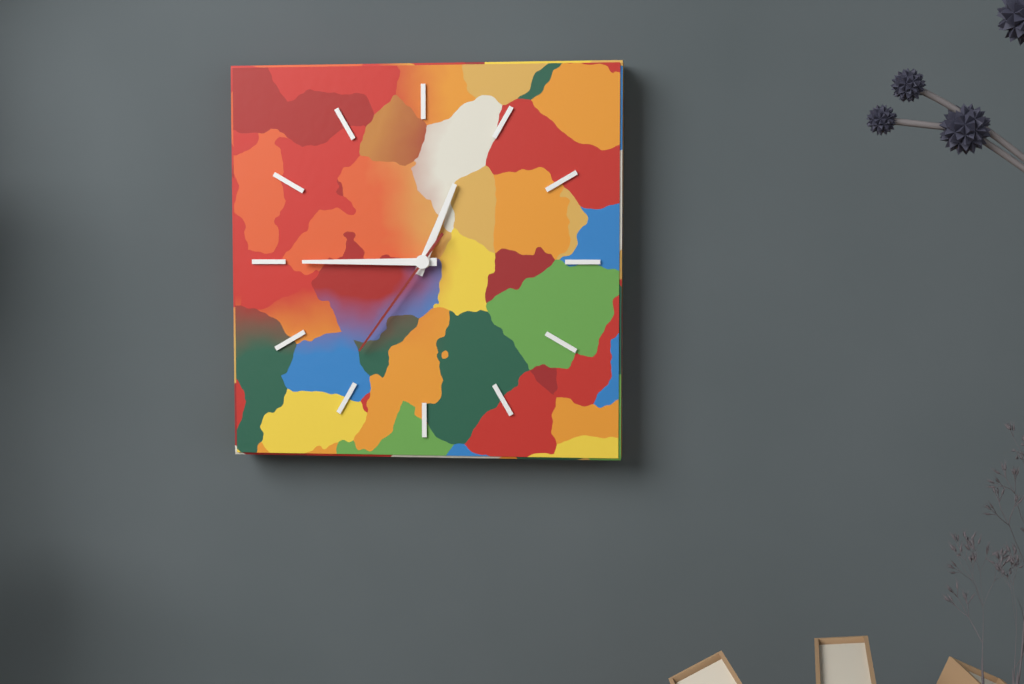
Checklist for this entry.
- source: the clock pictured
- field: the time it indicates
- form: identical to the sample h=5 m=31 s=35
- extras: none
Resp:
h=12 m=45 s=36
